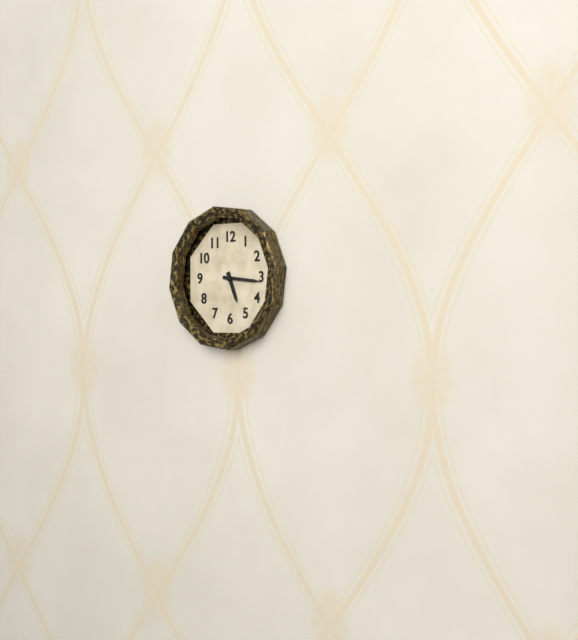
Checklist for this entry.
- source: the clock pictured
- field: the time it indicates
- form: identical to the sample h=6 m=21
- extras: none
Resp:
h=5 m=16
